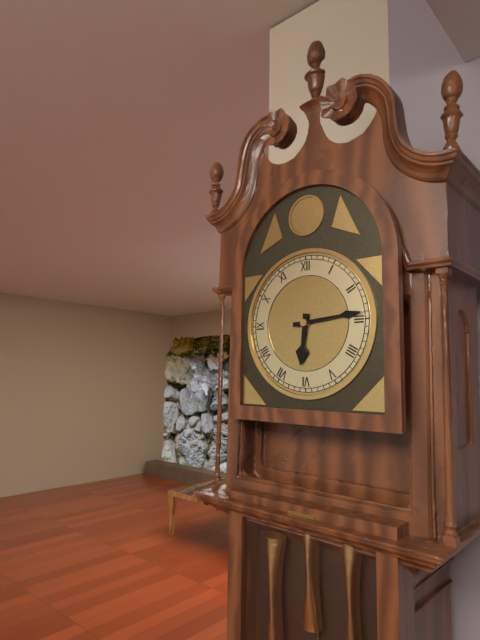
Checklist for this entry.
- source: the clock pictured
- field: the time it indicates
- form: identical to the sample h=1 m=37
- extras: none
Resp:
h=6 m=14
